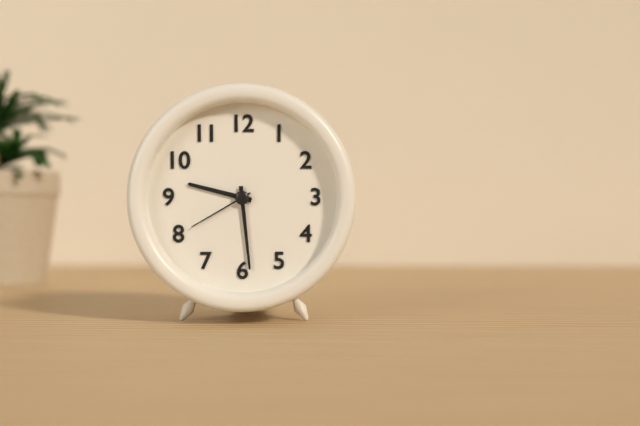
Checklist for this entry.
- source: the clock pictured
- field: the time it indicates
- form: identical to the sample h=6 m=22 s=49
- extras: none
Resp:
h=9 m=29 s=40
